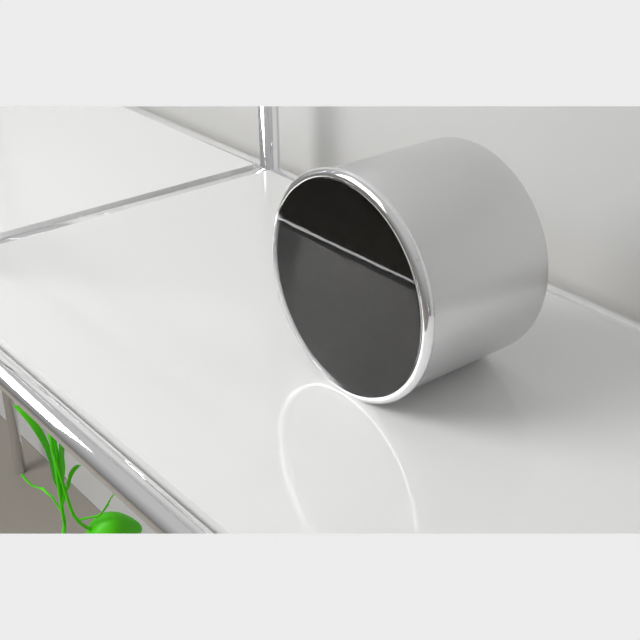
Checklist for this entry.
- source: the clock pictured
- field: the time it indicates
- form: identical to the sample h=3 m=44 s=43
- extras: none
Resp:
h=11 m=22 s=11
